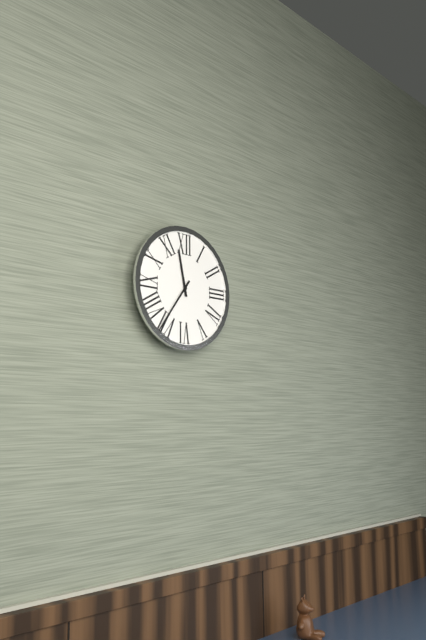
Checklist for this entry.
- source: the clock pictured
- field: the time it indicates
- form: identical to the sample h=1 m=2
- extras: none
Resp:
h=11 m=36
